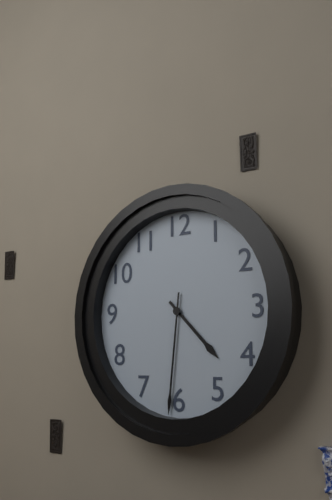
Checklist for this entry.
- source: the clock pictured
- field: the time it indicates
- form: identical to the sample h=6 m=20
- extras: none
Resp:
h=4 m=31
